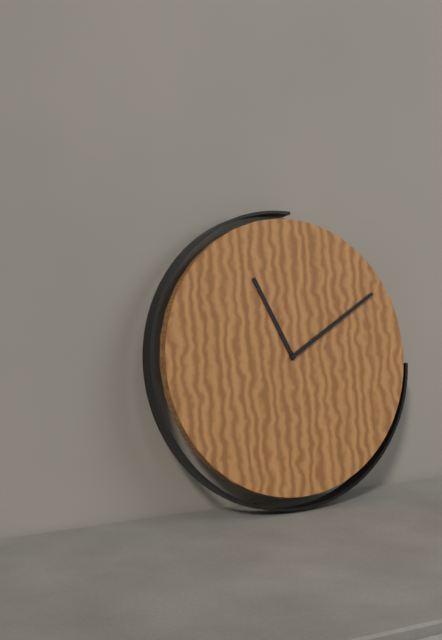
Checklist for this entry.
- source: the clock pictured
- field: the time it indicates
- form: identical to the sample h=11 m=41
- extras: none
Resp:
h=11 m=10
